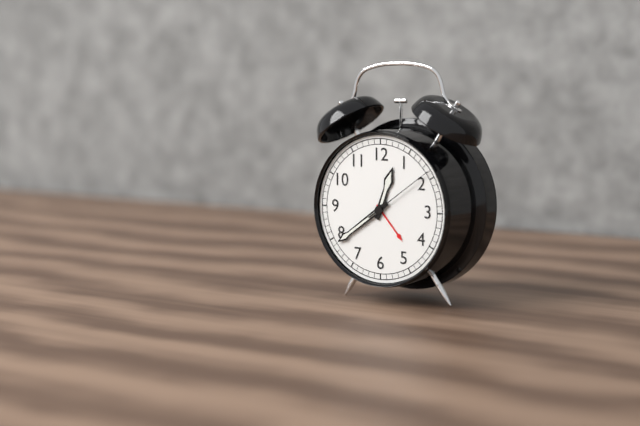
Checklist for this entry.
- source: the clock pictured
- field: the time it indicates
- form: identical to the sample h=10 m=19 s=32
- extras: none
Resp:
h=12 m=39 s=9
